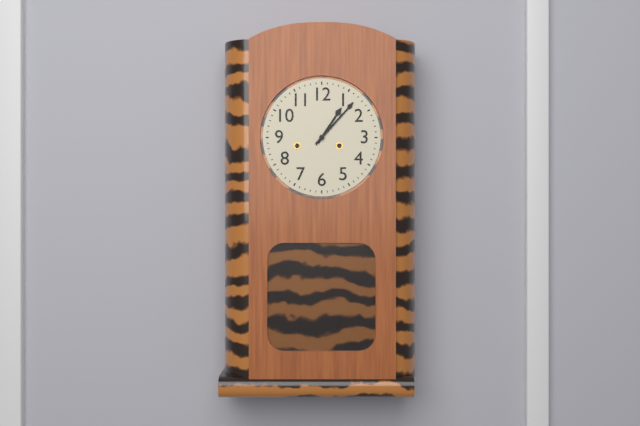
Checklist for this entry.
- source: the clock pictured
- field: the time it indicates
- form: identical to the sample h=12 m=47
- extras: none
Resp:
h=1 m=7
